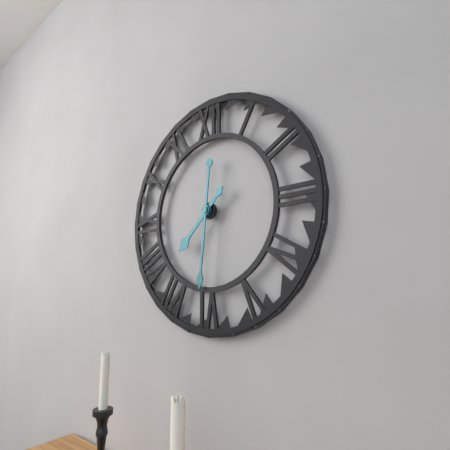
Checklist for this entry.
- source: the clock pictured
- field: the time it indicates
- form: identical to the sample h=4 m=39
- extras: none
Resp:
h=7 m=31
